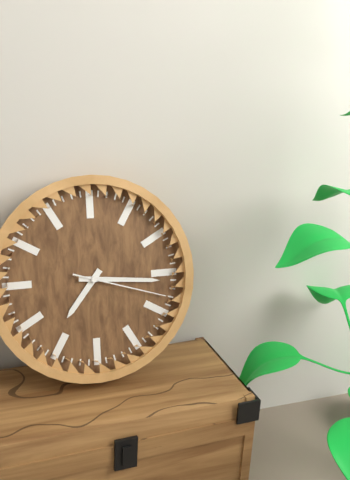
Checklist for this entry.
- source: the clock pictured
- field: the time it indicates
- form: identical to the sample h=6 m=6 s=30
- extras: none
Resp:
h=7 m=16 s=18
